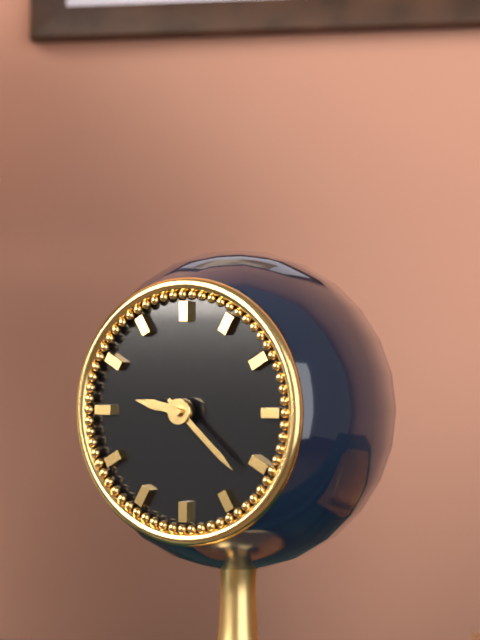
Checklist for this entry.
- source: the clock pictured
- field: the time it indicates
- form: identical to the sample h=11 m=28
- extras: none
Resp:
h=9 m=22
